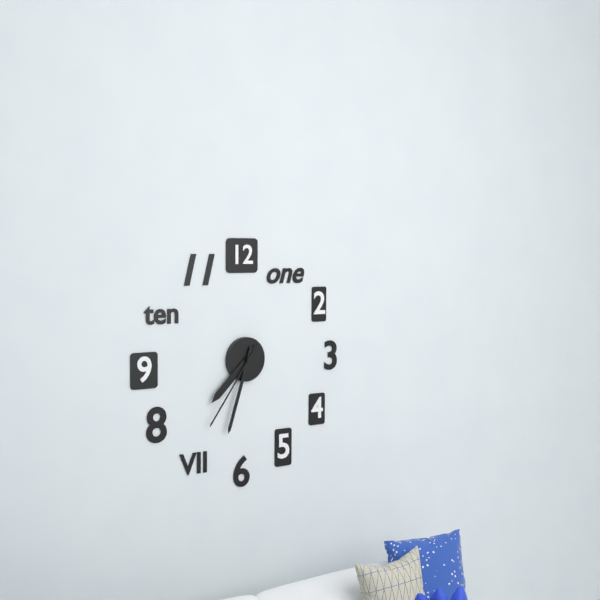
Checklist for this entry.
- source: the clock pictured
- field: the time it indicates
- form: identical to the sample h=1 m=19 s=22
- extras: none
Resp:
h=7 m=33 s=36
